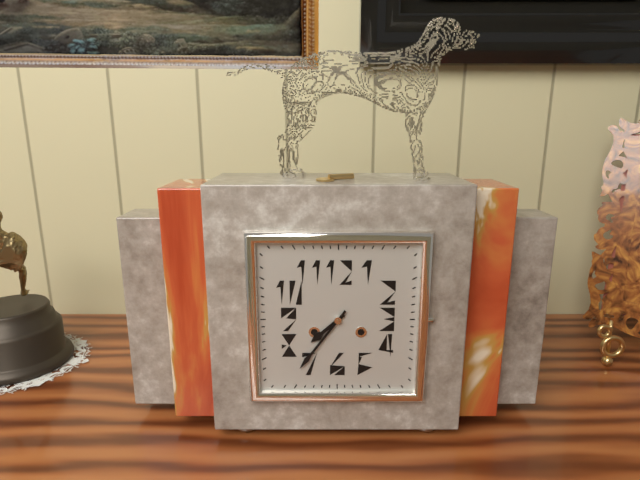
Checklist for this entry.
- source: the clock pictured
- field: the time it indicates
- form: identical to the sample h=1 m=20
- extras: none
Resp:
h=7 m=36
